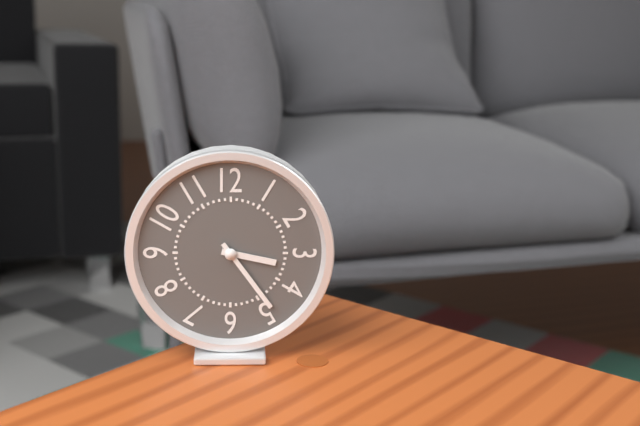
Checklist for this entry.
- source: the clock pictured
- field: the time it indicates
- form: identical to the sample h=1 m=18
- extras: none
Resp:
h=3 m=24
